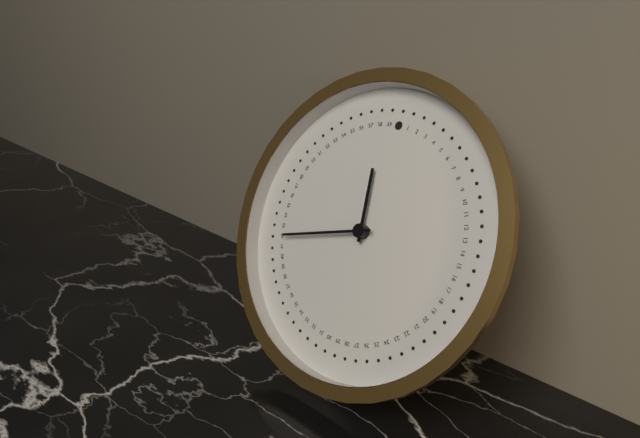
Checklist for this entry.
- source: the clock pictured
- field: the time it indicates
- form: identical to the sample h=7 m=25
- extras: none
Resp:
h=11 m=42
